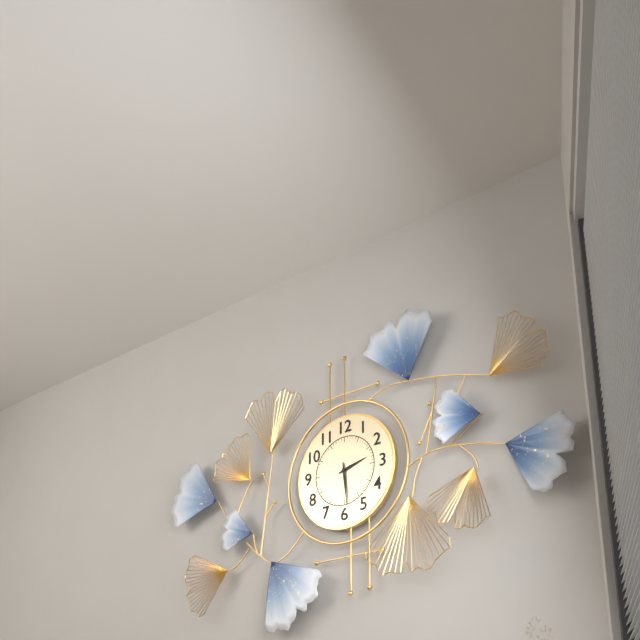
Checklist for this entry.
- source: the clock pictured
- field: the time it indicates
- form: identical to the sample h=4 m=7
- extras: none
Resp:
h=2 m=29
